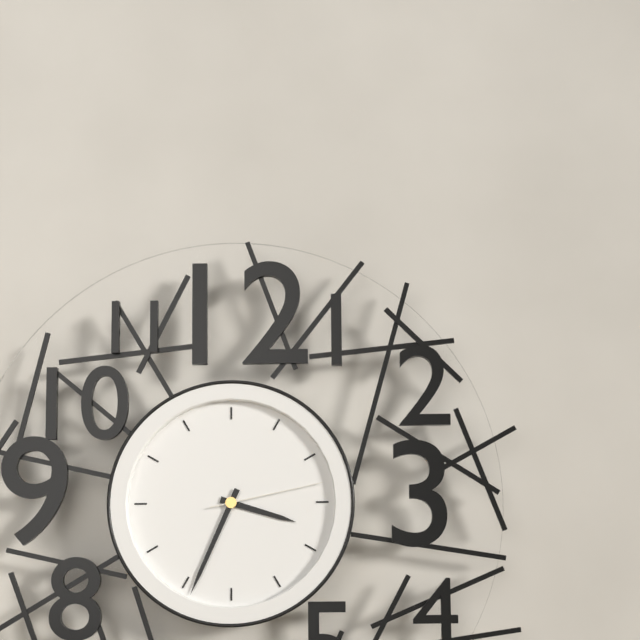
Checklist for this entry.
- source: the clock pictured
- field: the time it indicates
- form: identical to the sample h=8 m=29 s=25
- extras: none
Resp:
h=3 m=34 s=13
